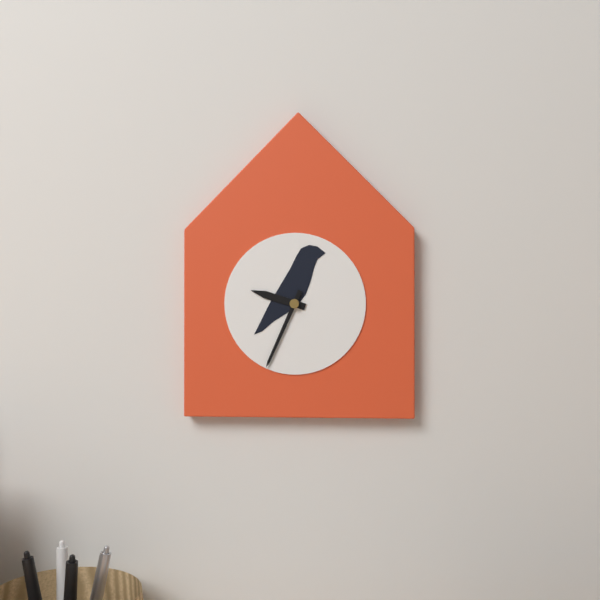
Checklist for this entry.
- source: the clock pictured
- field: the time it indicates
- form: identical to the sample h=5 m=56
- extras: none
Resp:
h=9 m=34
